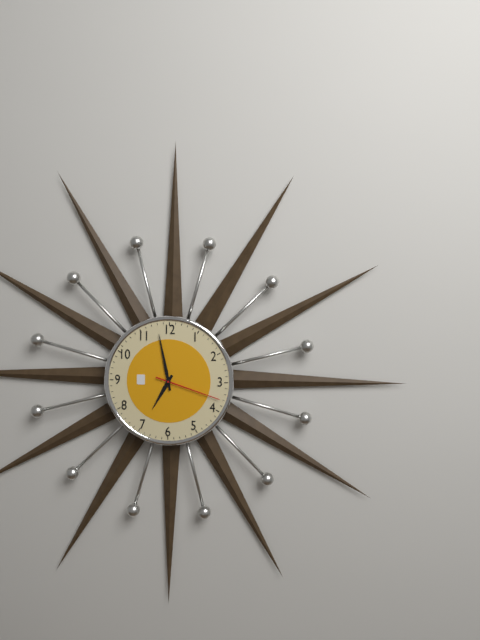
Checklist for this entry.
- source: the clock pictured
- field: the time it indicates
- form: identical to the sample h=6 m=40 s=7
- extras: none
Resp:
h=6 m=58 s=18
